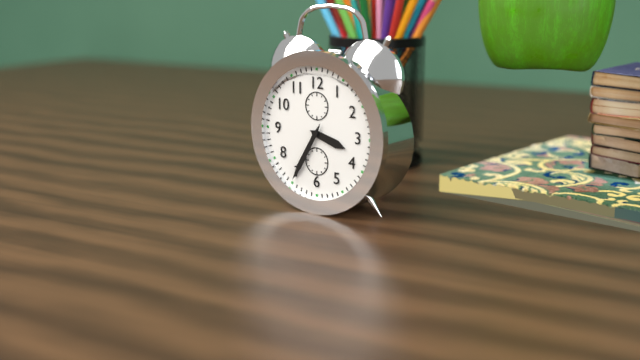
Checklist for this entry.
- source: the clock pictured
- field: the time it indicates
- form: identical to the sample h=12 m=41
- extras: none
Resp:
h=3 m=35
